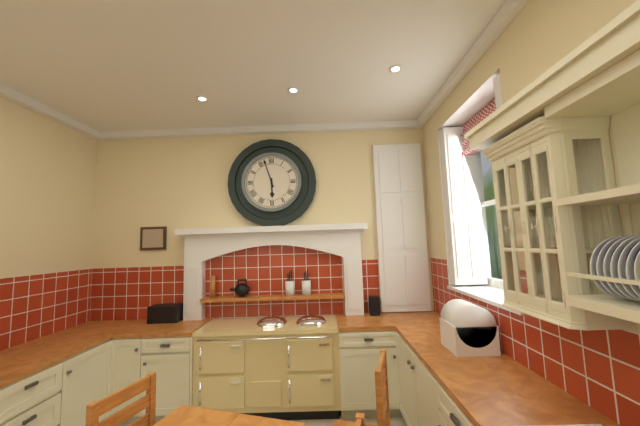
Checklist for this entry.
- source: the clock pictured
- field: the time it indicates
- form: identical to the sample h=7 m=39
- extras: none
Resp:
h=5 m=57
